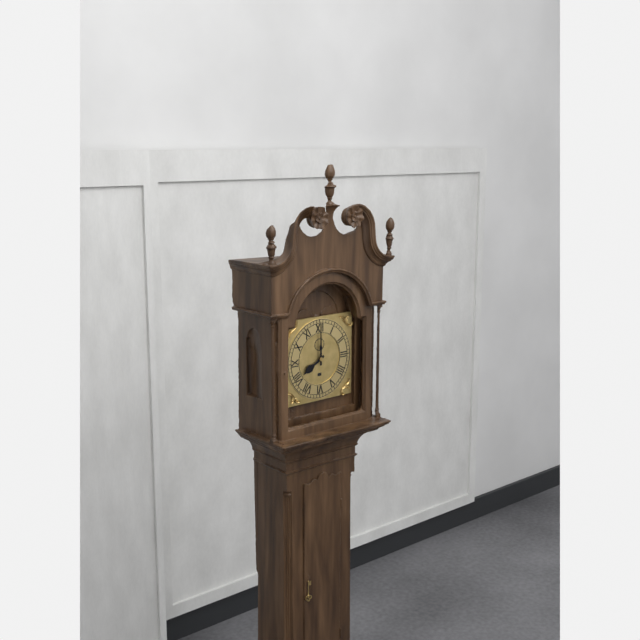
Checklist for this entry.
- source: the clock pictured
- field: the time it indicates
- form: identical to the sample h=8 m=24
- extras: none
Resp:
h=8 m=0
